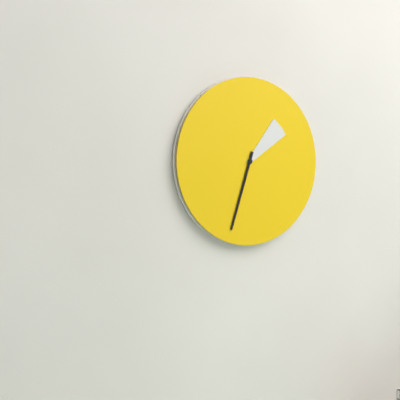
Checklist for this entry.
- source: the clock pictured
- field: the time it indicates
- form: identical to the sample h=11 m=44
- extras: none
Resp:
h=1 m=33
